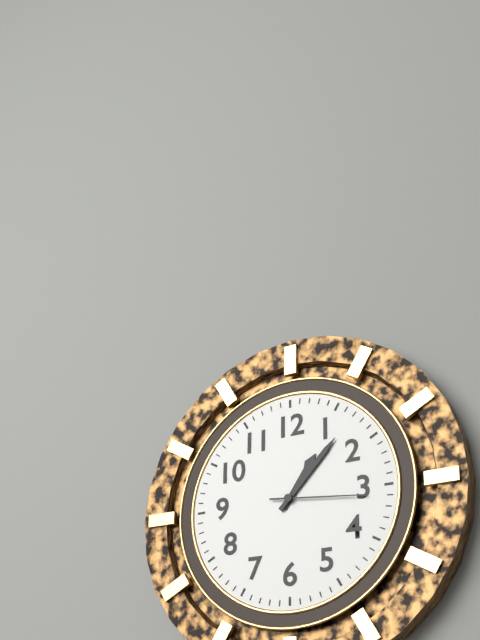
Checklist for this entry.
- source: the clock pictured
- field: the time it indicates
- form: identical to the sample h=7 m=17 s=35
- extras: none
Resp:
h=1 m=7 s=16
